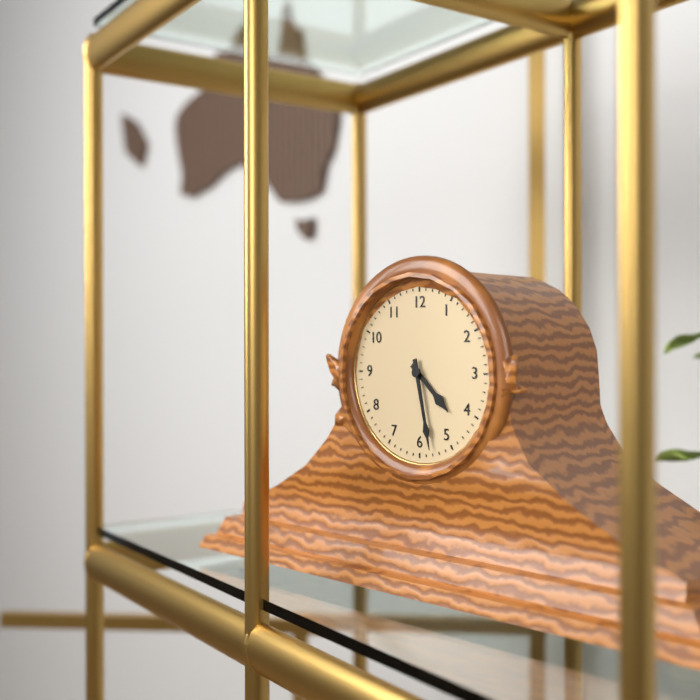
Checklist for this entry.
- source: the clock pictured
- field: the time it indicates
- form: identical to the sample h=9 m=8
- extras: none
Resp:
h=4 m=28
